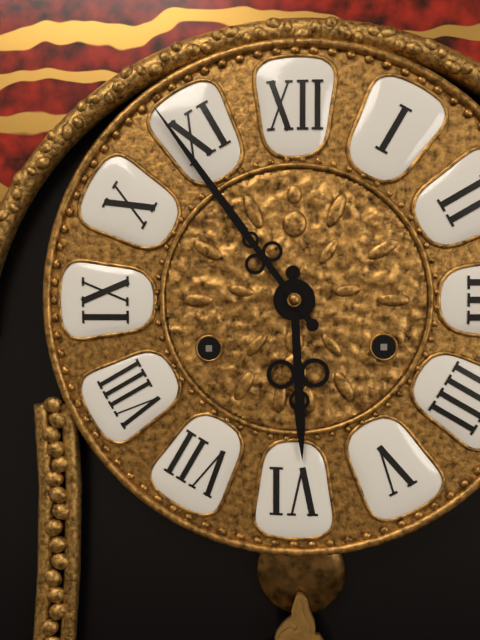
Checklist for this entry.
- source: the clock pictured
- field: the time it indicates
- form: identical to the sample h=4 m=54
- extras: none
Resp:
h=5 m=54
